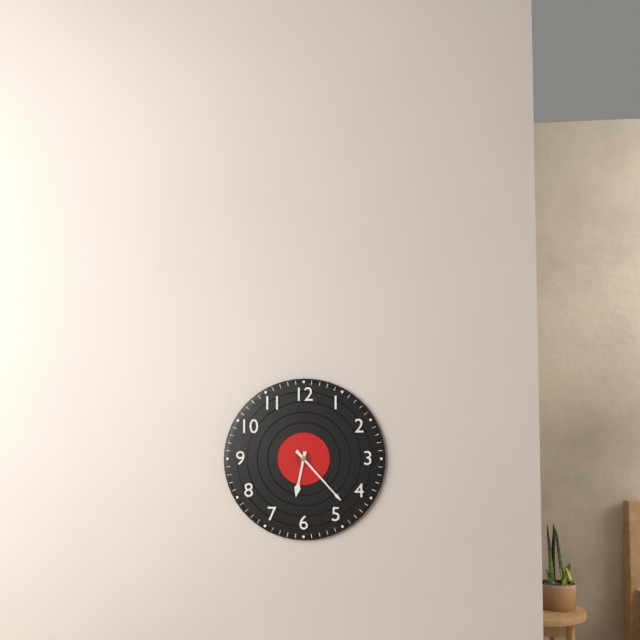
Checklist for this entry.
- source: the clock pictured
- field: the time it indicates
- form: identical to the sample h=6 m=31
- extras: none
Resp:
h=6 m=23
